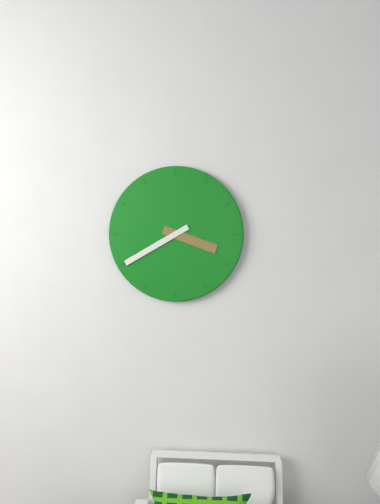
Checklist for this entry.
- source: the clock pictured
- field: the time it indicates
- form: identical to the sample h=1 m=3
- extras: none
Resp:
h=3 m=40
